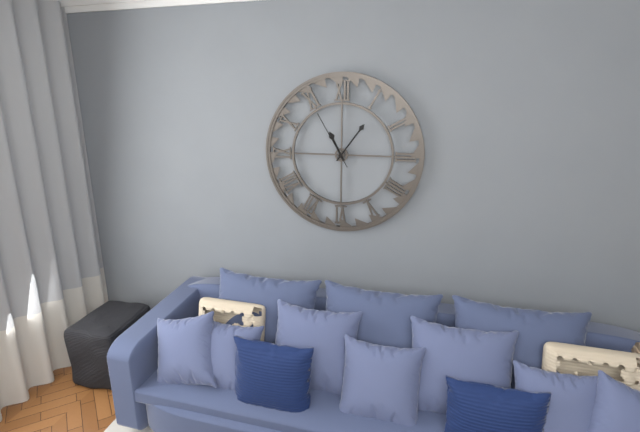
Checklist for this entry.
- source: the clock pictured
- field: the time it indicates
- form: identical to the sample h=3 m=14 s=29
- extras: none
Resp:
h=11 m=6 s=55
